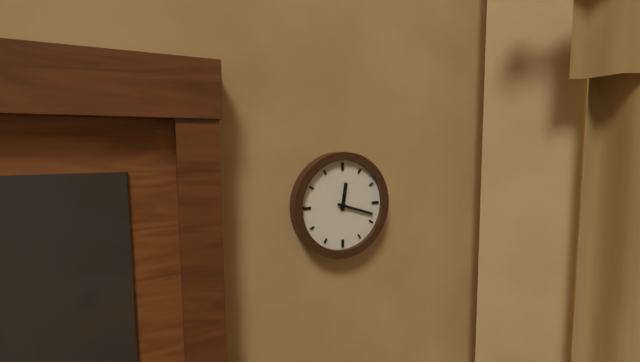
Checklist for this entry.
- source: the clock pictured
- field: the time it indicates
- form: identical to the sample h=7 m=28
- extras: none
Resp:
h=12 m=18
